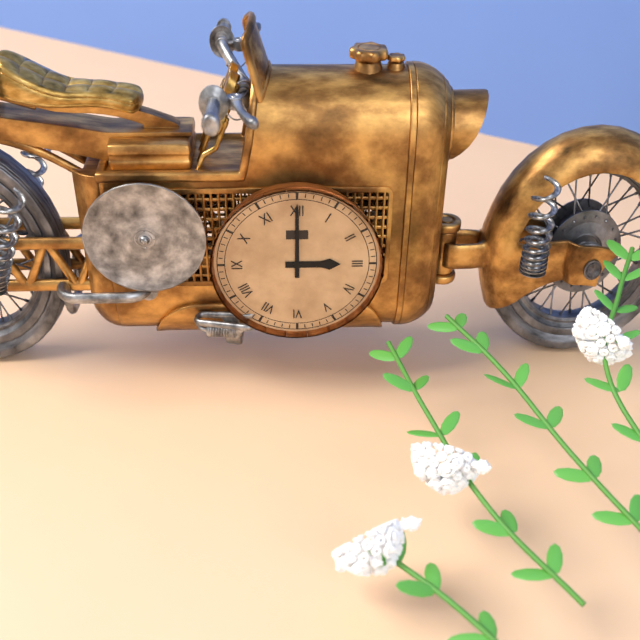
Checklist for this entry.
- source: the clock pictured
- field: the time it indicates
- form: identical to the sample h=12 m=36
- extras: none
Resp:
h=3 m=0
